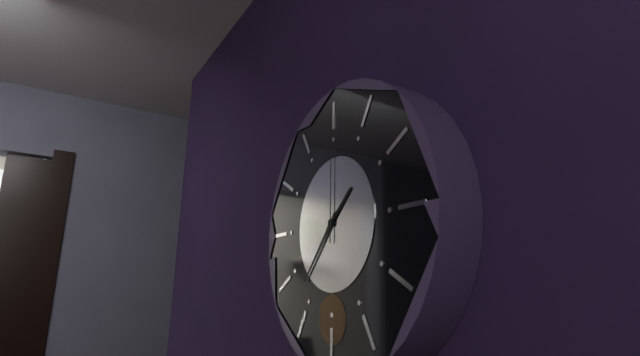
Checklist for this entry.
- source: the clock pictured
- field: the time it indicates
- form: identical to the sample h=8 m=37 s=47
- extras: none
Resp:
h=1 m=37 s=0
